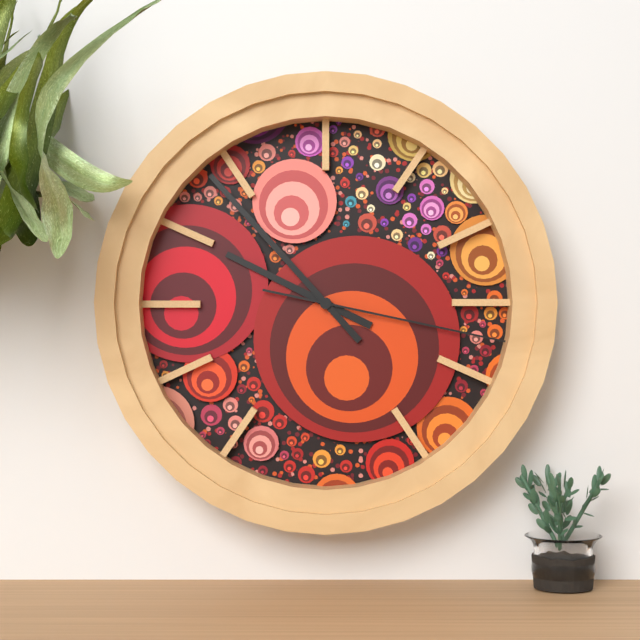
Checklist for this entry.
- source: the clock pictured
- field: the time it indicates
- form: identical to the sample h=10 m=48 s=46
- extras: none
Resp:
h=9 m=53 s=17
